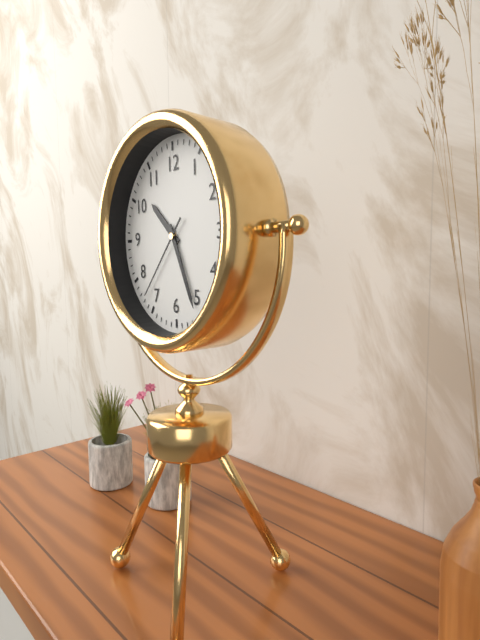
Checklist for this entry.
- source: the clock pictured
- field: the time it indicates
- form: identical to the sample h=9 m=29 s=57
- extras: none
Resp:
h=10 m=26 s=37
